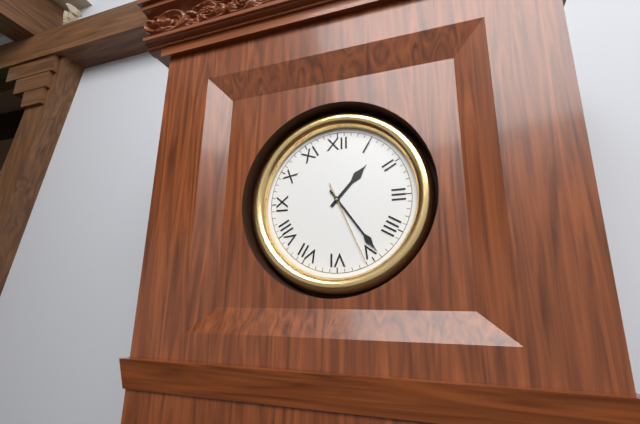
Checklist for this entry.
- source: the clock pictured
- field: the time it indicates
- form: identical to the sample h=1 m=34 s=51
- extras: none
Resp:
h=1 m=24 s=26
